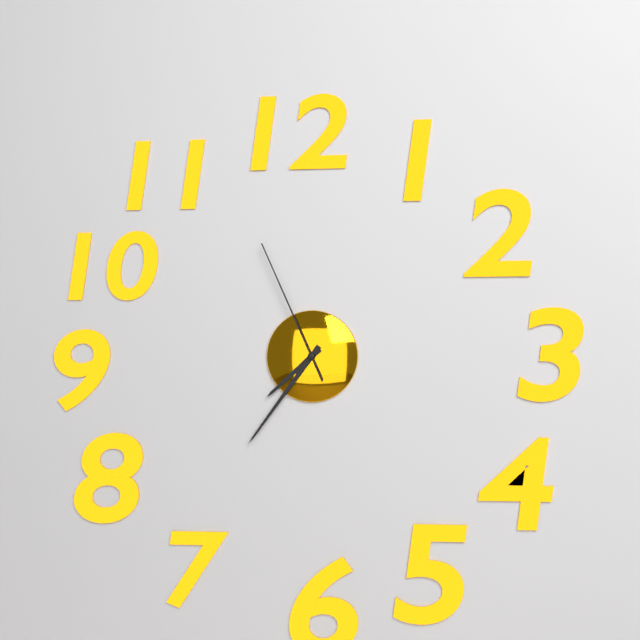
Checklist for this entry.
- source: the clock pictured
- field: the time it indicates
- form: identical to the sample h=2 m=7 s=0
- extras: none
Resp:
h=7 m=36 s=56
